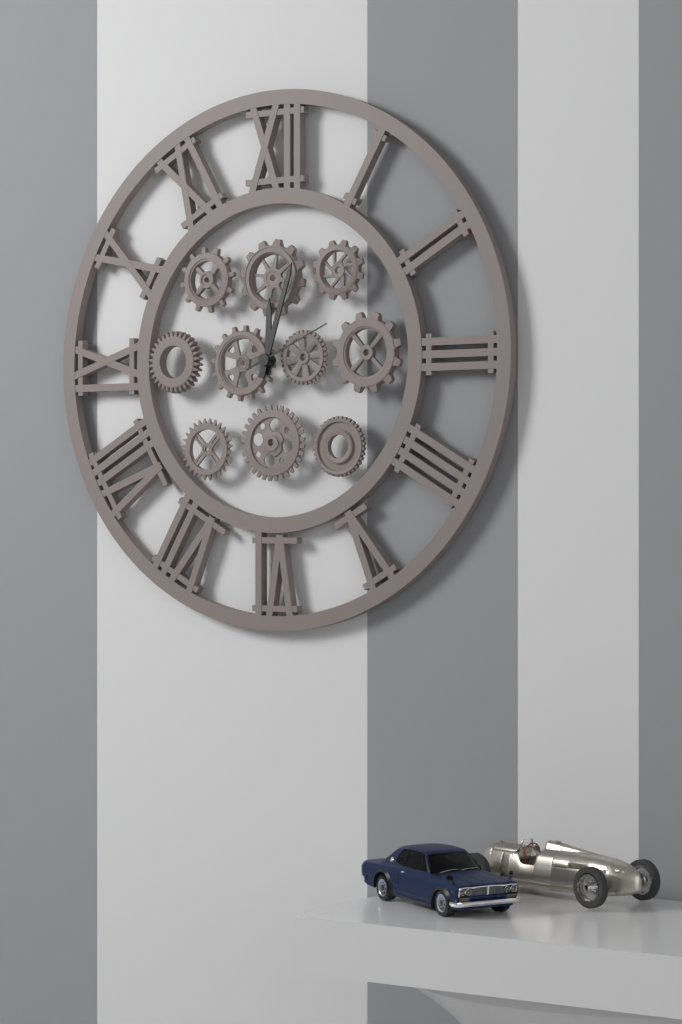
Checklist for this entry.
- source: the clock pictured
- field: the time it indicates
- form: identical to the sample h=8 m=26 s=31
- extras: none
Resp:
h=12 m=3 s=11
